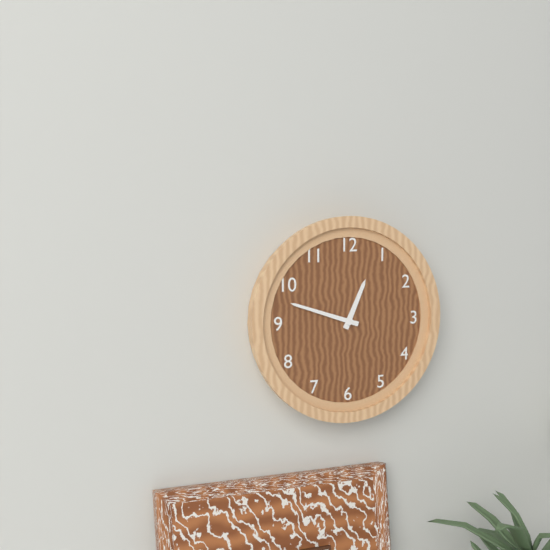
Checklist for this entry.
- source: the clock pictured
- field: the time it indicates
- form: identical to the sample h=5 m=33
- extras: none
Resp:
h=12 m=48
